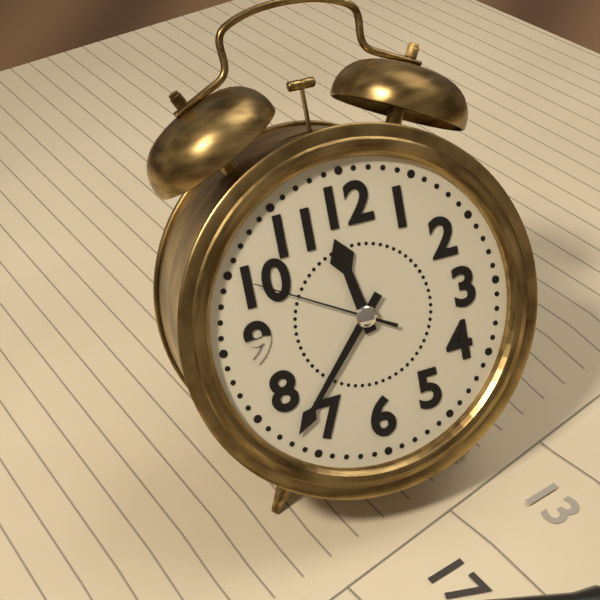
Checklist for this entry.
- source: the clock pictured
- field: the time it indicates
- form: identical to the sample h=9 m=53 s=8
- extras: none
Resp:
h=11 m=37 s=50
